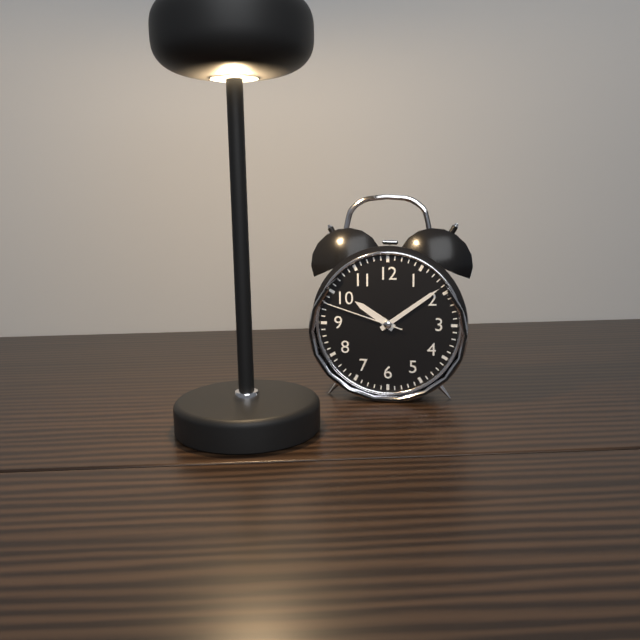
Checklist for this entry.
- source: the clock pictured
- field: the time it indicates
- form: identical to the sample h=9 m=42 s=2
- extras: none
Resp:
h=10 m=9 s=48
